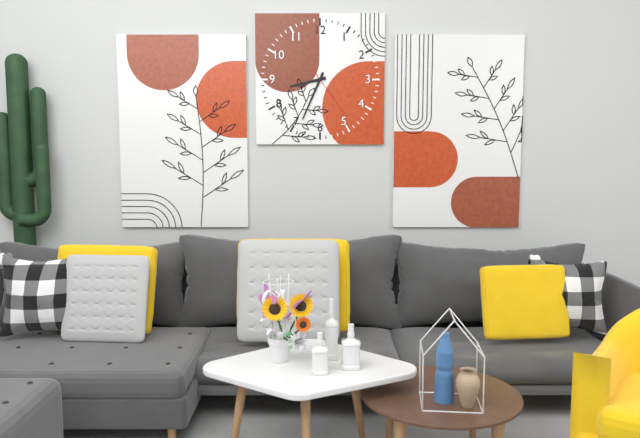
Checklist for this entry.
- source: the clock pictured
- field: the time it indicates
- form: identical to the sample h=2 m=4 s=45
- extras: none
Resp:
h=8 m=34 s=24
